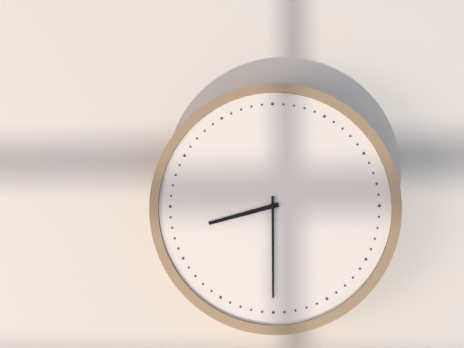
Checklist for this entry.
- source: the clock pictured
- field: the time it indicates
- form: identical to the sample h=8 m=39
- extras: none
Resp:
h=8 m=30
